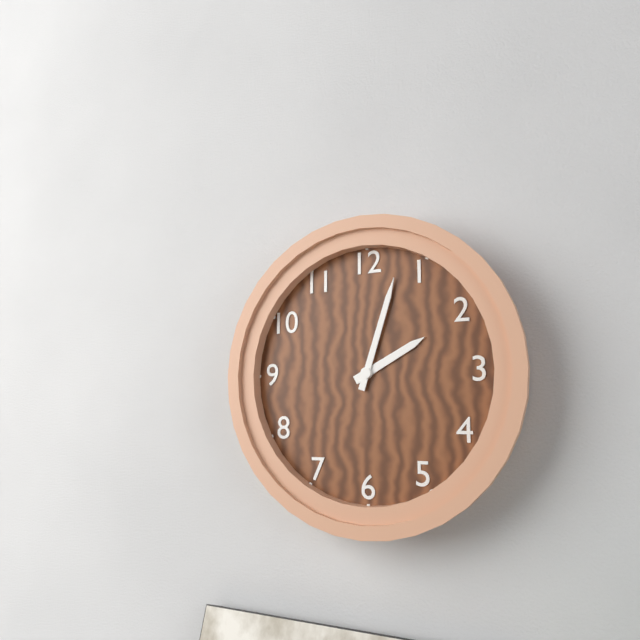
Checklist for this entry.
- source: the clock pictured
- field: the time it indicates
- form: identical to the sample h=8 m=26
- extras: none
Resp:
h=2 m=3
